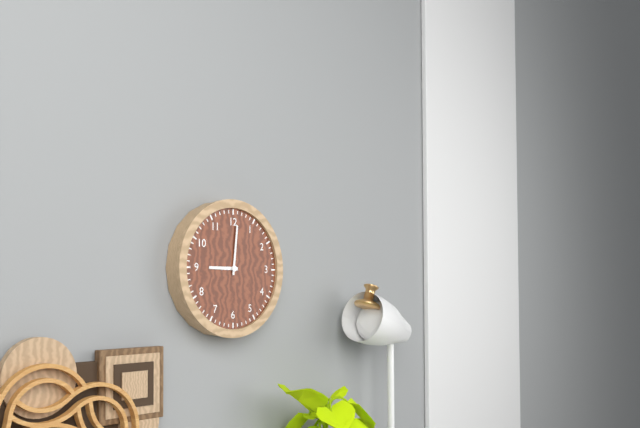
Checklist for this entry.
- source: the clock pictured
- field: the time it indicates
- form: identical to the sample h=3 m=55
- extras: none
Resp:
h=9 m=1
